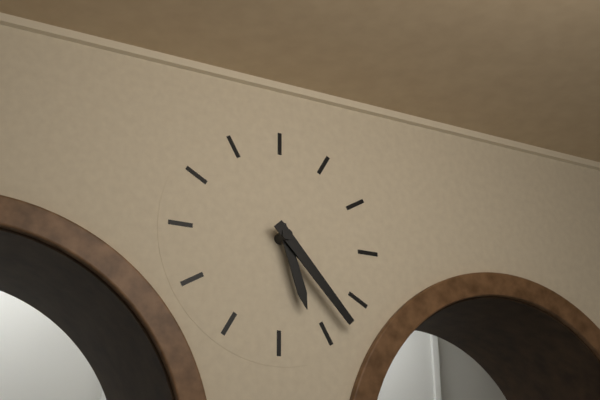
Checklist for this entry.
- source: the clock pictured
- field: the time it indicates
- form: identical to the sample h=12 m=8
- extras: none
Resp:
h=5 m=23
